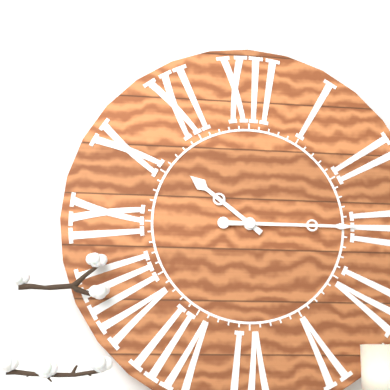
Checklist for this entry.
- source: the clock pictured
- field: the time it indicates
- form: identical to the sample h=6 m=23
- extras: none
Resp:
h=10 m=15
